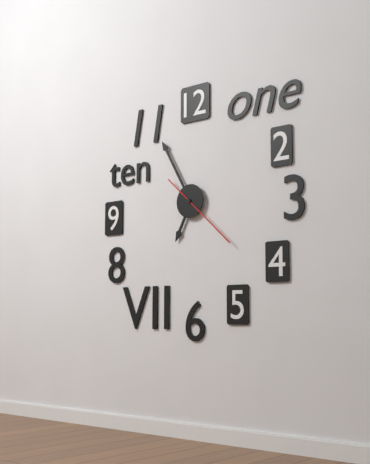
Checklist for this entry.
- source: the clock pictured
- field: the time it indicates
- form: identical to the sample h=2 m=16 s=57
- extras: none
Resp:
h=6 m=55 s=22
